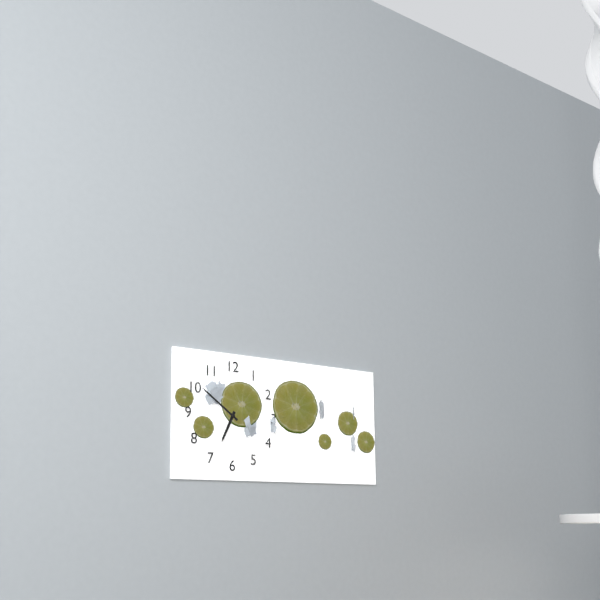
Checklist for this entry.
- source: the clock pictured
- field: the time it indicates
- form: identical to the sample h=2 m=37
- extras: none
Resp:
h=6 m=51
